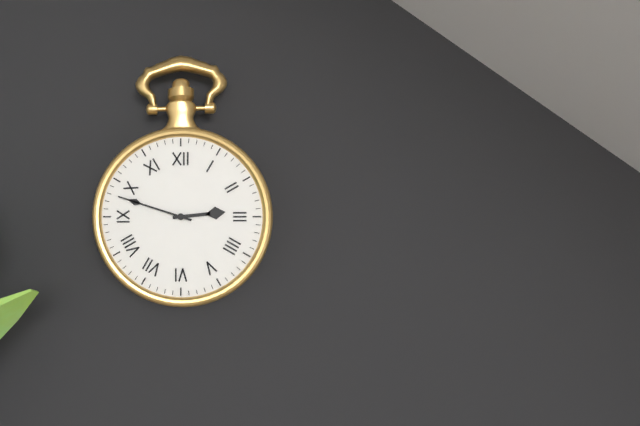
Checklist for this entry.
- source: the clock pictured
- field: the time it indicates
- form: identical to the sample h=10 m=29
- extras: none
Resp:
h=2 m=48
